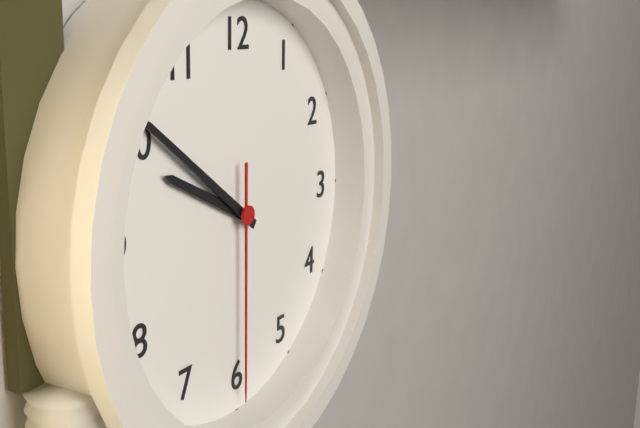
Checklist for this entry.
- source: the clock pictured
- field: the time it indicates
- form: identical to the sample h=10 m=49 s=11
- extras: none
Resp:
h=9 m=51 s=30
